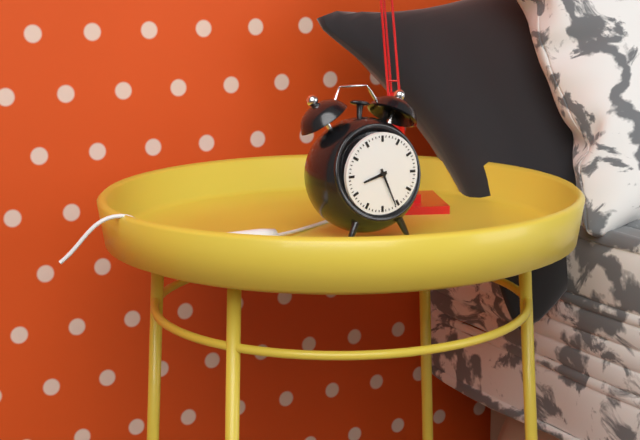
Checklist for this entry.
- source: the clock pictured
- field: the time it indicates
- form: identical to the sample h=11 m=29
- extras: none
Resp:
h=8 m=26
